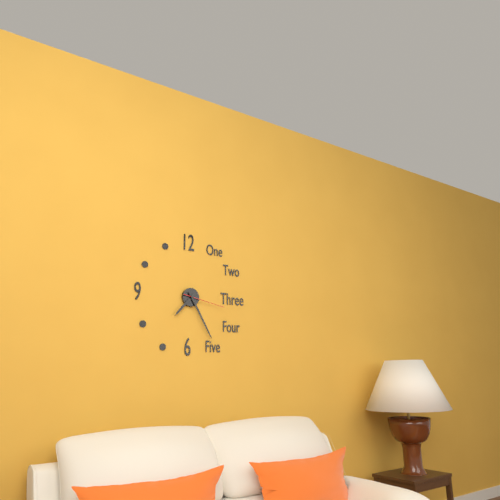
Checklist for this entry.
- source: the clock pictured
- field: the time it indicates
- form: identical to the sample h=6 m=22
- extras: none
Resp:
h=7 m=25
